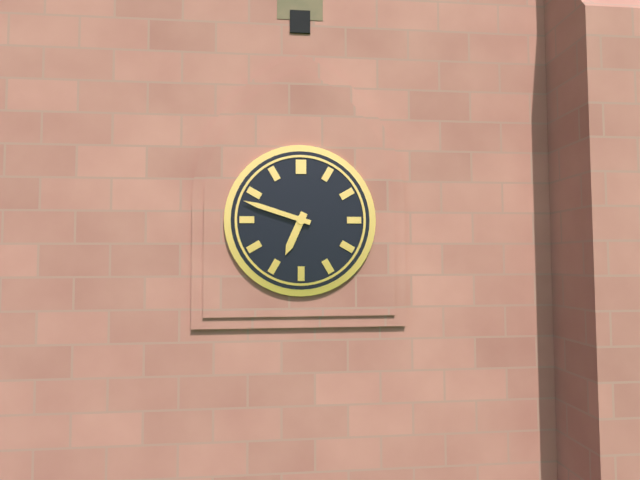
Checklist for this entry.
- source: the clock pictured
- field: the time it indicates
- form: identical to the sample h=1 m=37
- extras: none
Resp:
h=6 m=48
